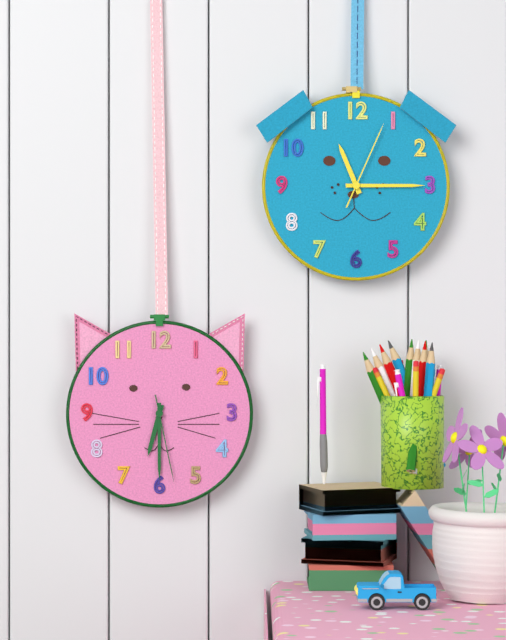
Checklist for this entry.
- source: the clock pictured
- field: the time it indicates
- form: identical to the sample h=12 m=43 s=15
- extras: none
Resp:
h=6 m=30 s=28
